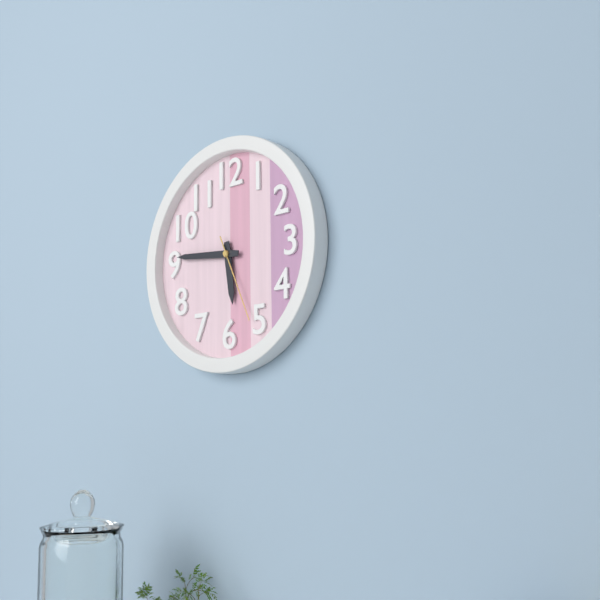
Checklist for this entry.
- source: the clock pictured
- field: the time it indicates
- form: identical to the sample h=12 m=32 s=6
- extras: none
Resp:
h=5 m=46 s=26
